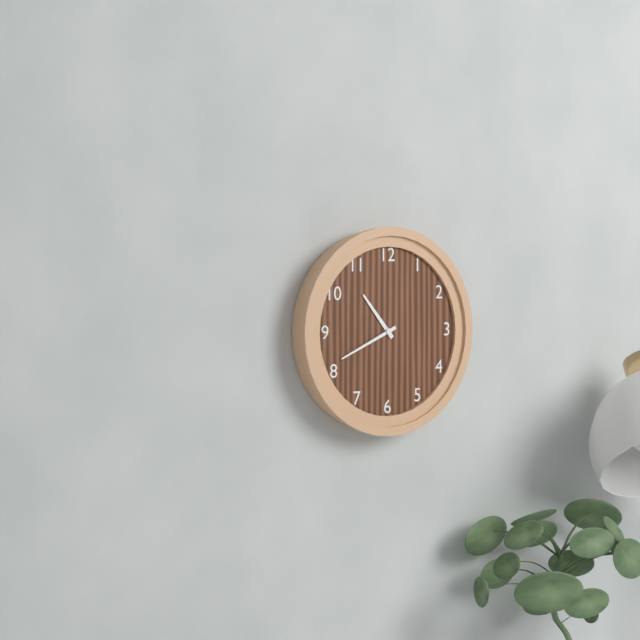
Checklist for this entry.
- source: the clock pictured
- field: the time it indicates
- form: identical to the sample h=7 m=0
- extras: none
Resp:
h=10 m=41
